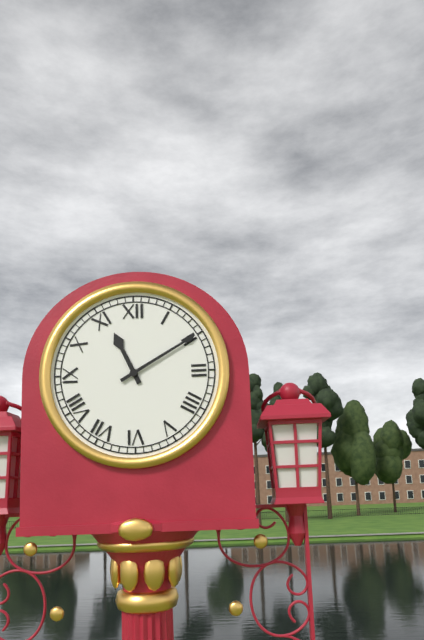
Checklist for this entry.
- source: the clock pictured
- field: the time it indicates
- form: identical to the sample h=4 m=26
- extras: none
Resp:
h=11 m=10
